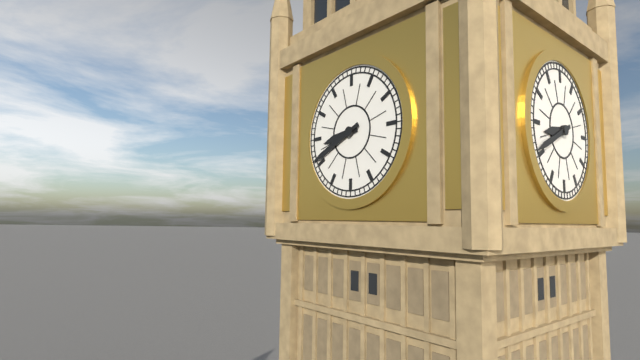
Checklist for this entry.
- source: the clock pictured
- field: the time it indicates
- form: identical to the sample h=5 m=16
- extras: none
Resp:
h=8 m=41
